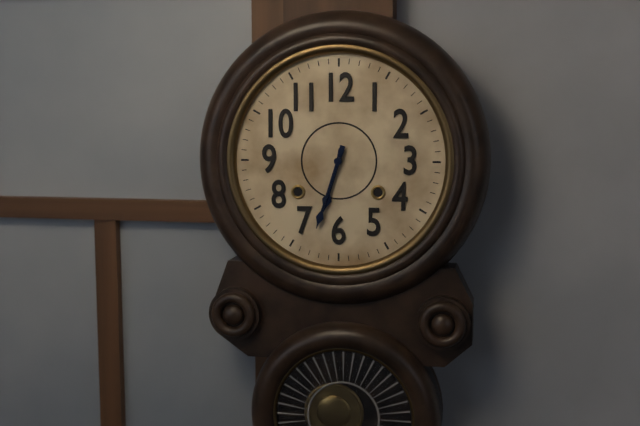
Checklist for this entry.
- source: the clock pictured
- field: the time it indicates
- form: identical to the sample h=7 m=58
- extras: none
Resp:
h=6 m=33
